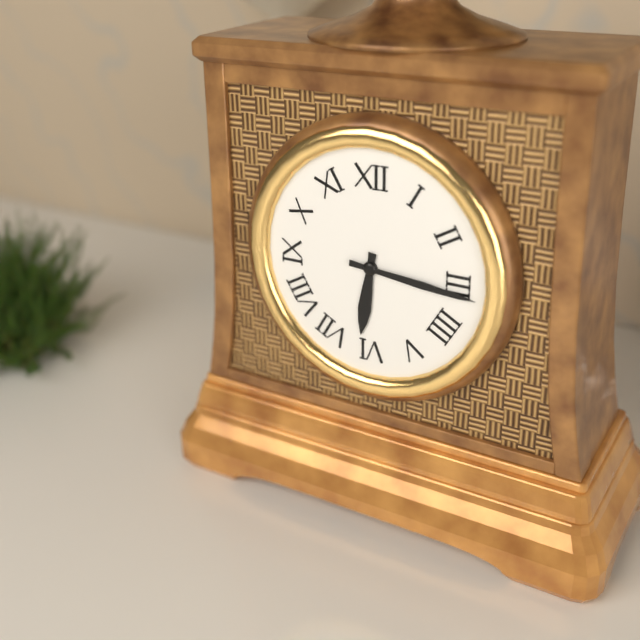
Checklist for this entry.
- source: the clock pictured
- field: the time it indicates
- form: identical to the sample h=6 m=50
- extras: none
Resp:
h=6 m=16
